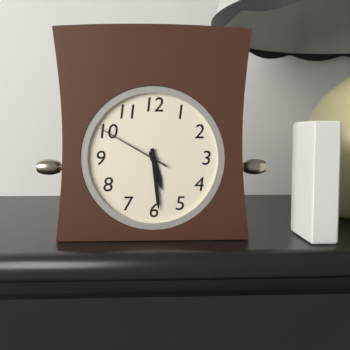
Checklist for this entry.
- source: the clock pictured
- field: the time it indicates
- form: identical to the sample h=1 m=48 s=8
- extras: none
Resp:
h=5 m=29 s=50
